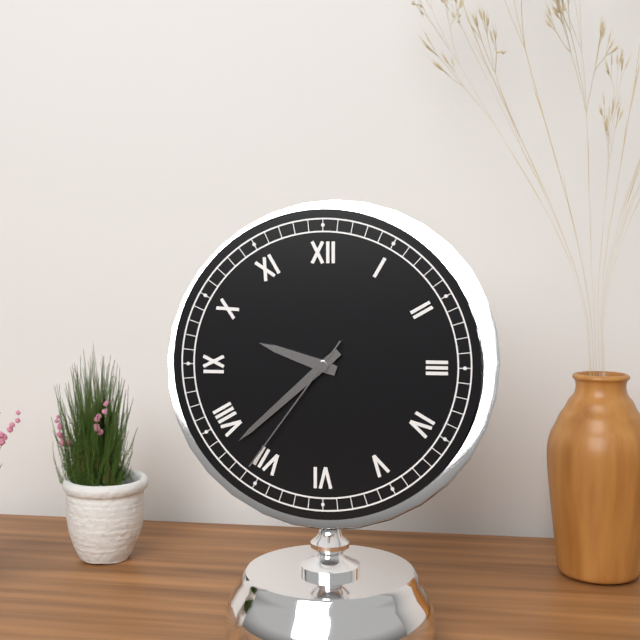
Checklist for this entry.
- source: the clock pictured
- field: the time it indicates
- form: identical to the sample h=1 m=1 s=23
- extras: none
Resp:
h=9 m=38 s=36
